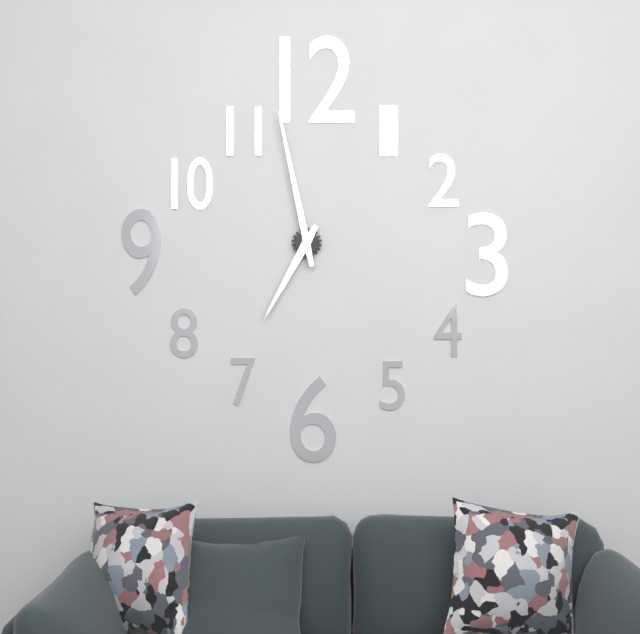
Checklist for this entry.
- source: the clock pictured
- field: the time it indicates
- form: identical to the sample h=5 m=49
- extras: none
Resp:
h=6 m=58
